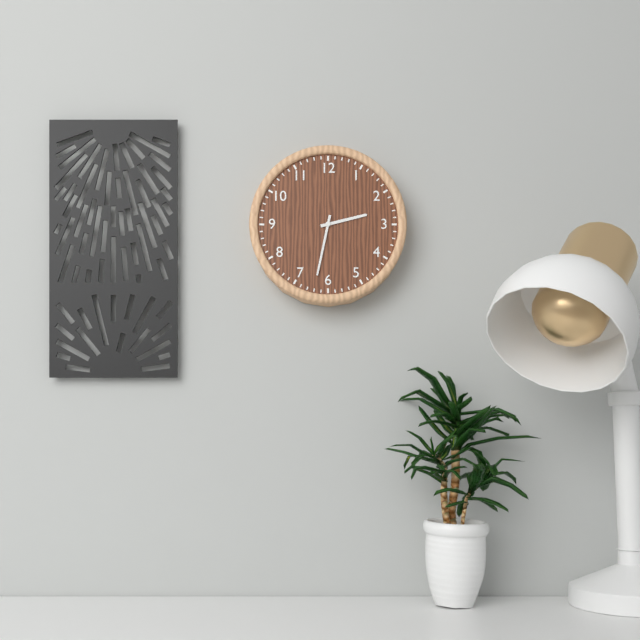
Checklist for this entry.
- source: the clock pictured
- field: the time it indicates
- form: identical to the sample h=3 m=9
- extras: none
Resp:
h=2 m=32
